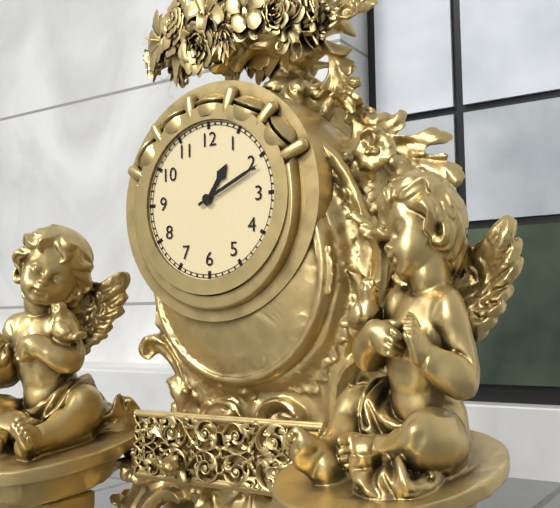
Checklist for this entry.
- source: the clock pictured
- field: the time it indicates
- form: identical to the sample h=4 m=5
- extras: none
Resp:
h=1 m=11
